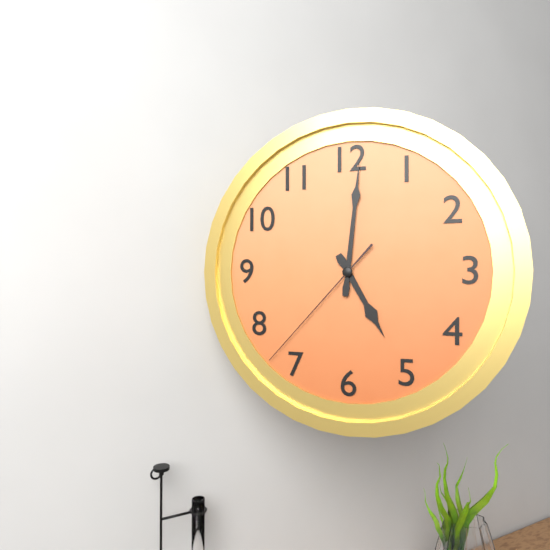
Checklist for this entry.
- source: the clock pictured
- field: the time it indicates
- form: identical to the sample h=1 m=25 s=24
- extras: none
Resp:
h=5 m=1 s=37
